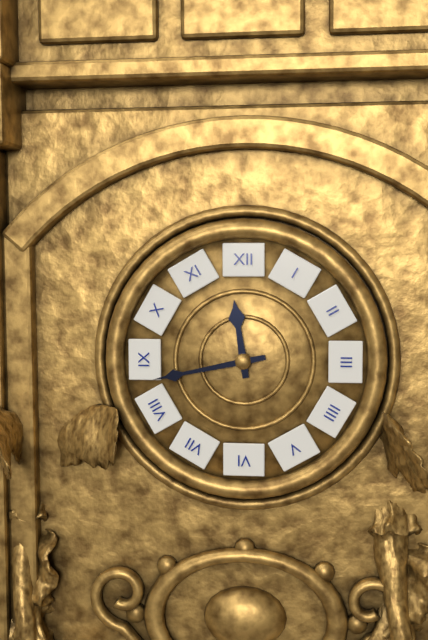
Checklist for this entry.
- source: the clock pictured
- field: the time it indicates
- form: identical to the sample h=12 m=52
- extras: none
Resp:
h=11 m=43
